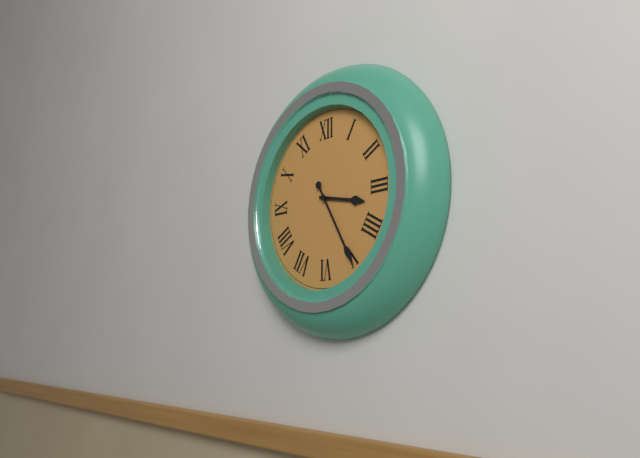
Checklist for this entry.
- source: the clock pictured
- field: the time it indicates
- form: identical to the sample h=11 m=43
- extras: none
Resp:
h=3 m=25
